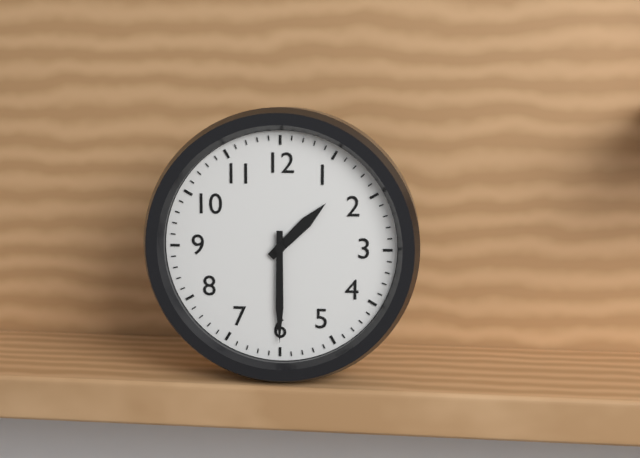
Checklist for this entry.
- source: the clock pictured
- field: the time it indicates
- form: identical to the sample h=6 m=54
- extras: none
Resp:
h=1 m=30
